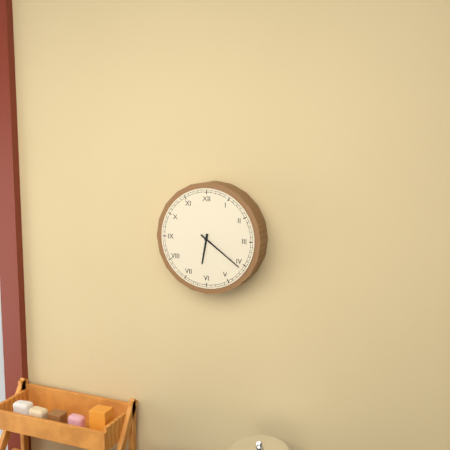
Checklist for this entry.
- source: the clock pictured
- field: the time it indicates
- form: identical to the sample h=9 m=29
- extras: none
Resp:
h=6 m=21
